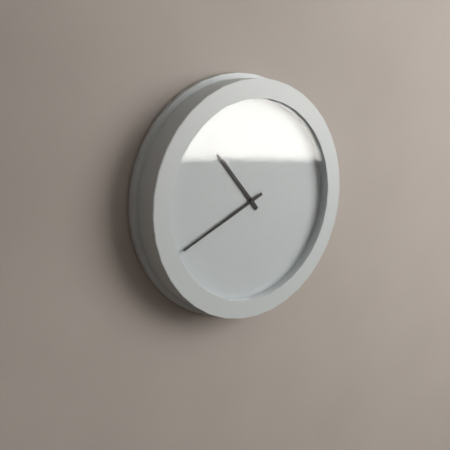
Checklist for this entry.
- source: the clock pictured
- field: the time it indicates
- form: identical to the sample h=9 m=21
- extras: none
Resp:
h=10 m=41
